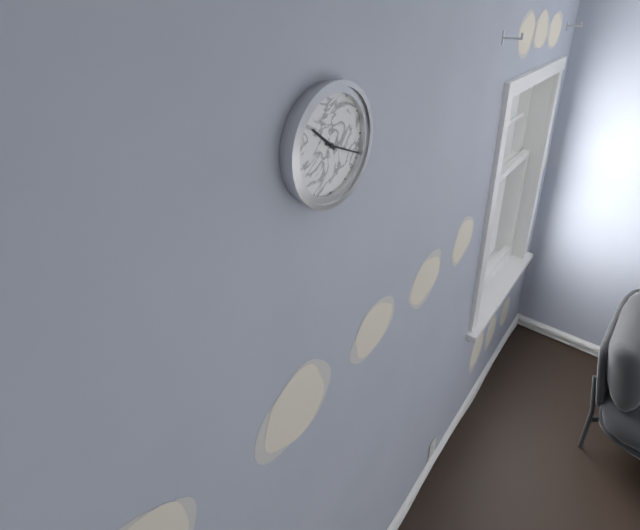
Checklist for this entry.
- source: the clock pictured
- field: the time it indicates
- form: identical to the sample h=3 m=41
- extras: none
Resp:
h=10 m=19
